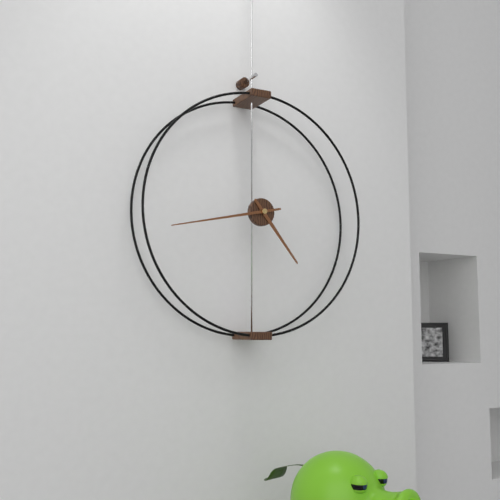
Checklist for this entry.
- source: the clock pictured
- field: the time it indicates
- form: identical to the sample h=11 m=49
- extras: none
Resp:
h=4 m=43
